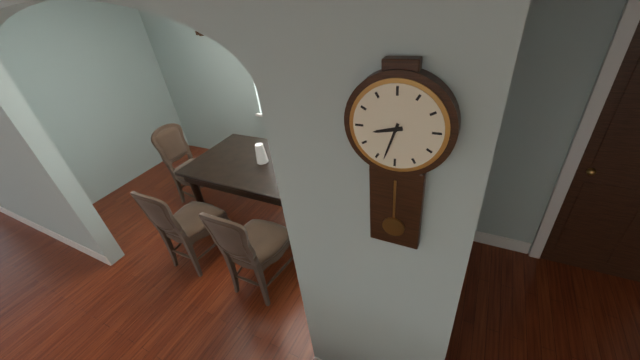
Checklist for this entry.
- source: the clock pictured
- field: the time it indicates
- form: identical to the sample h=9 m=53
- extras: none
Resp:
h=8 m=33
